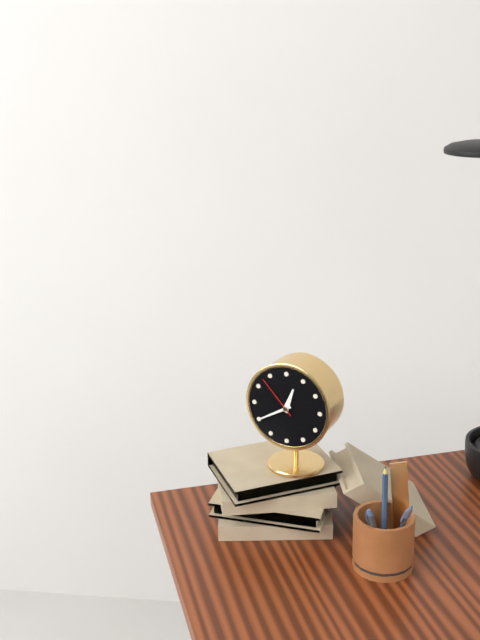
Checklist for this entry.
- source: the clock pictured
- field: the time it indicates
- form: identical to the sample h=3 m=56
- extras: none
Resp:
h=12 m=40
